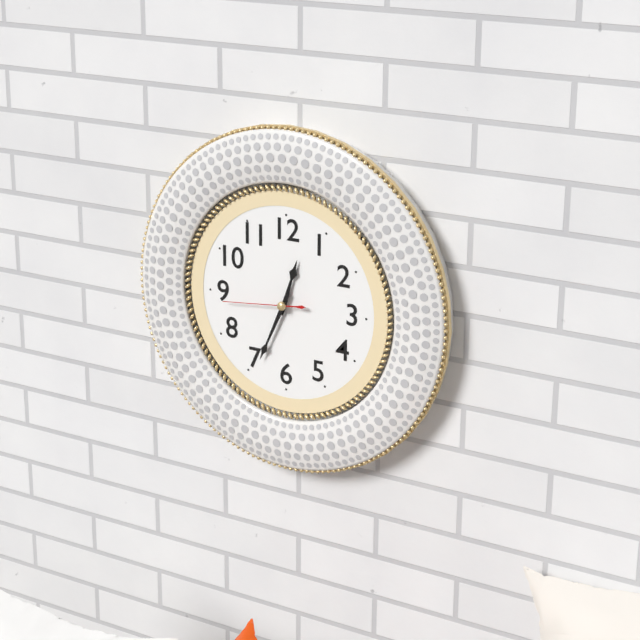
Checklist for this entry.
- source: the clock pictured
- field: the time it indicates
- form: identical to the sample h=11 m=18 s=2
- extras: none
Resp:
h=12 m=34 s=44
